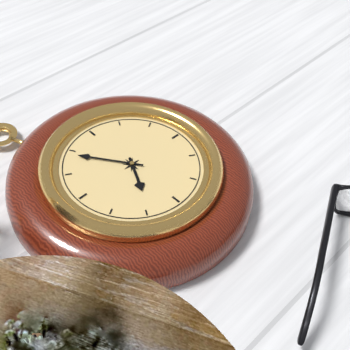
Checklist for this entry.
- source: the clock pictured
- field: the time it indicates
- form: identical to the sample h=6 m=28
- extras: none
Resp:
h=6 m=54
